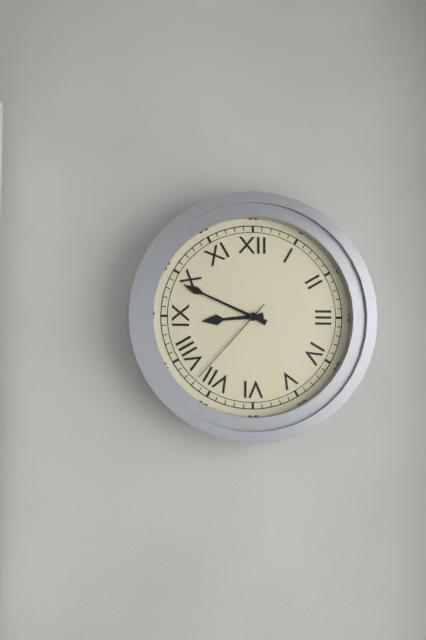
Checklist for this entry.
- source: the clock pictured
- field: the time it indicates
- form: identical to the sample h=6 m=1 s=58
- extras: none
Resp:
h=8 m=49 s=37
